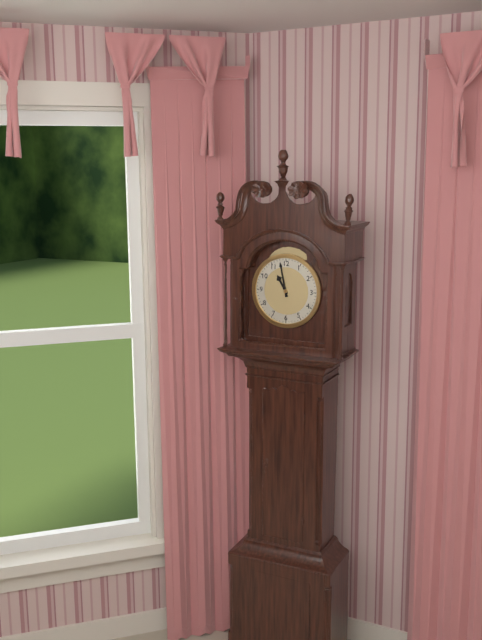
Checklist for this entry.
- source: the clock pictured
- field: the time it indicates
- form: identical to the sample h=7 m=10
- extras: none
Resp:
h=10 m=58
